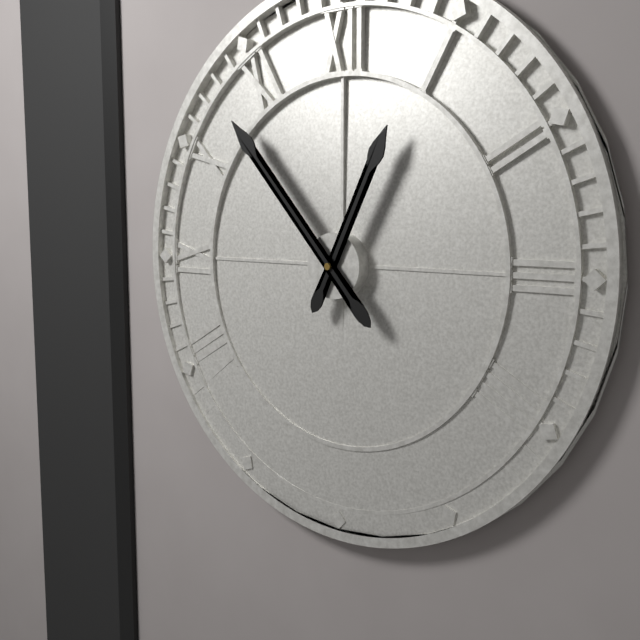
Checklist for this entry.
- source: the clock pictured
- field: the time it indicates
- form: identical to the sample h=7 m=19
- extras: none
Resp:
h=12 m=53
